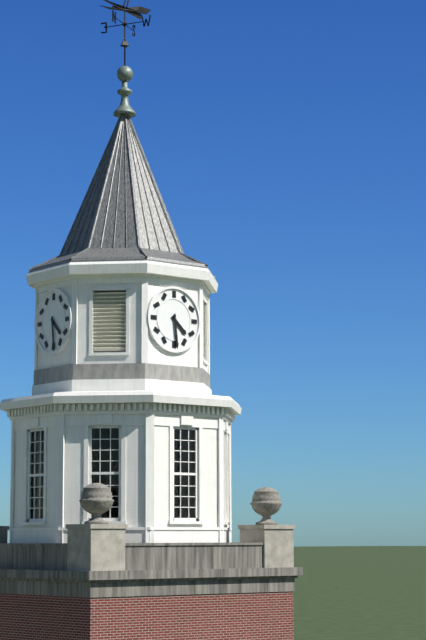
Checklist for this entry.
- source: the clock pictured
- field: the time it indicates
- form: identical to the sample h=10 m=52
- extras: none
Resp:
h=4 m=29
